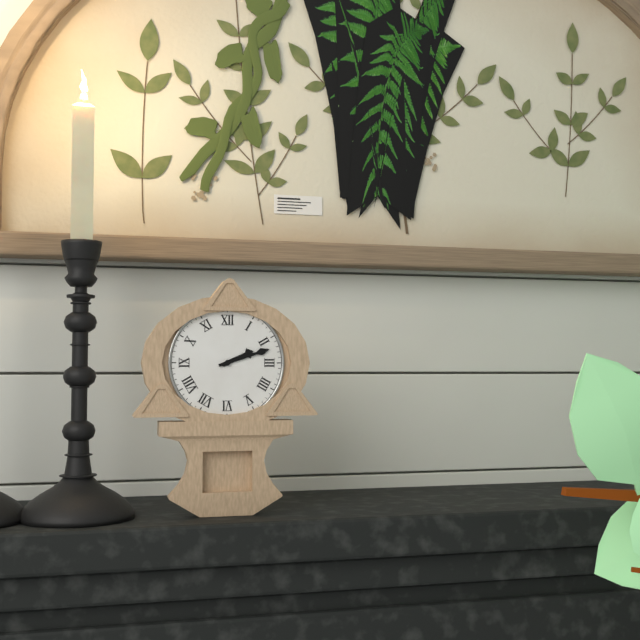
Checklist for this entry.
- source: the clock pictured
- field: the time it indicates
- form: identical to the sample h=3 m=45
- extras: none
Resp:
h=2 m=12
